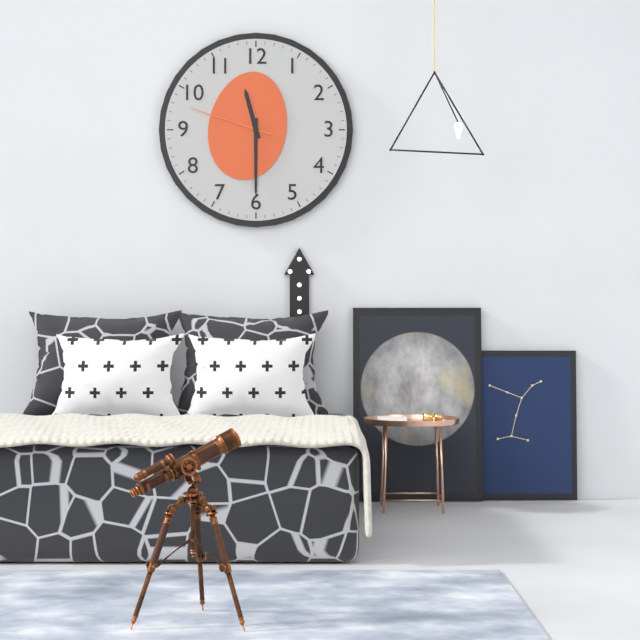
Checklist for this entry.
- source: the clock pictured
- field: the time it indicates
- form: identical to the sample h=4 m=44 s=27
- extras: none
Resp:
h=11 m=30 s=48
